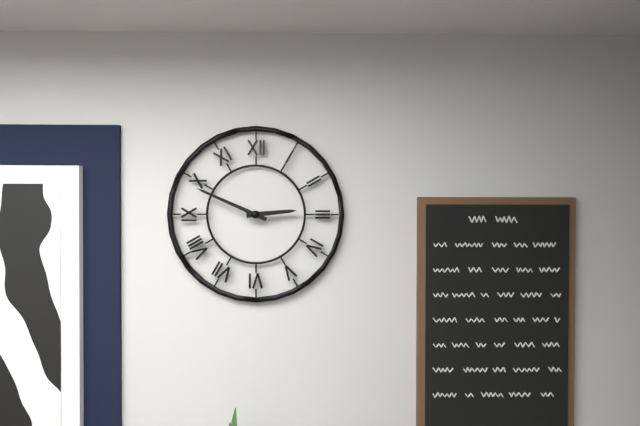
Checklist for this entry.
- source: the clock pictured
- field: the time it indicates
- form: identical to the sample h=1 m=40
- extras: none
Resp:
h=2 m=49
